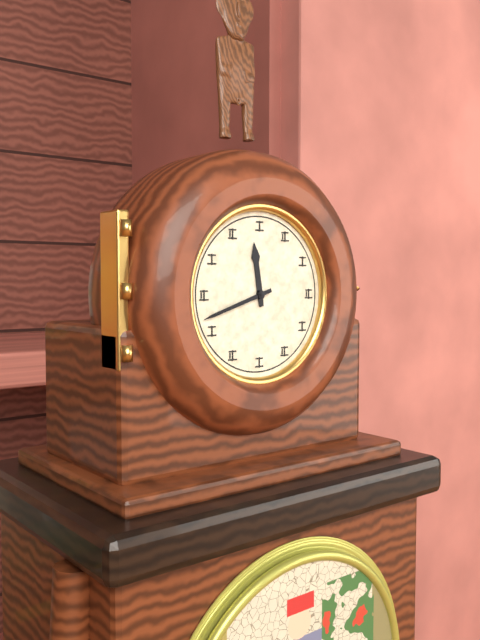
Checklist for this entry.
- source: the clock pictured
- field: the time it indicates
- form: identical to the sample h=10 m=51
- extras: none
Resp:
h=11 m=42
